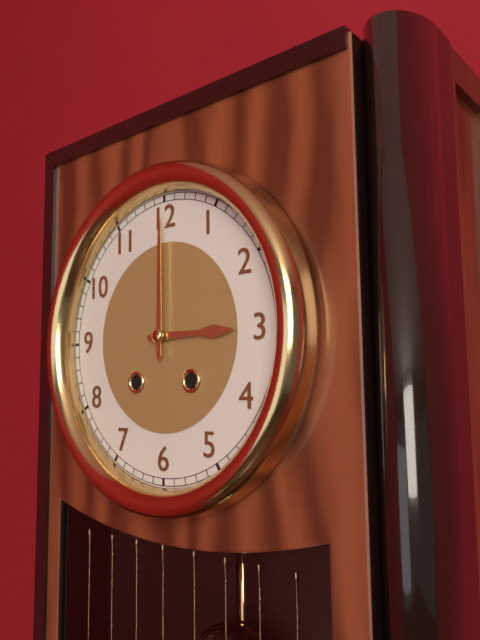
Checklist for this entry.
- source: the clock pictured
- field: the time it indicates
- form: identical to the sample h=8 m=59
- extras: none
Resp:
h=3 m=0
